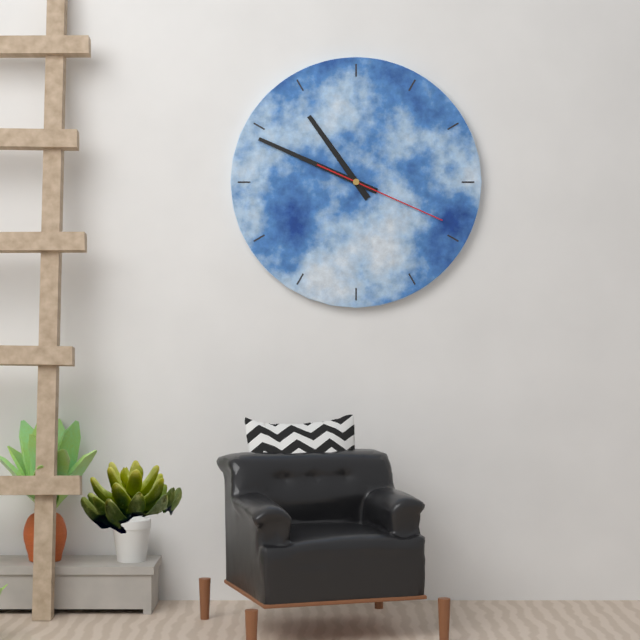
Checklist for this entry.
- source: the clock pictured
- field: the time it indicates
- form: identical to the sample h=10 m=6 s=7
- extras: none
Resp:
h=10 m=49 s=19
